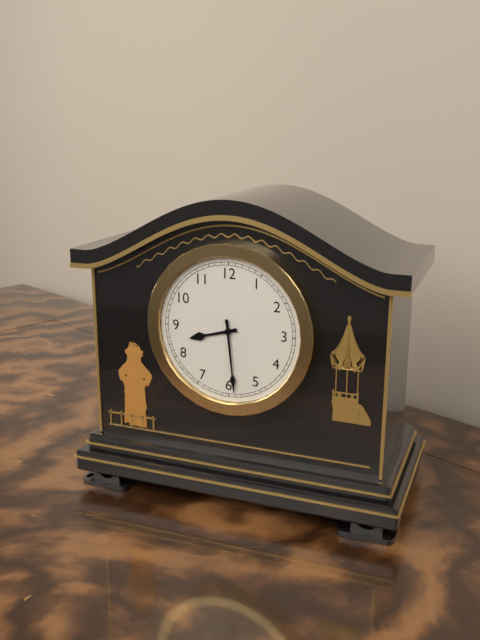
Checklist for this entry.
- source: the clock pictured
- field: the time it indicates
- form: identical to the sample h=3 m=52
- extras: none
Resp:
h=8 m=29
